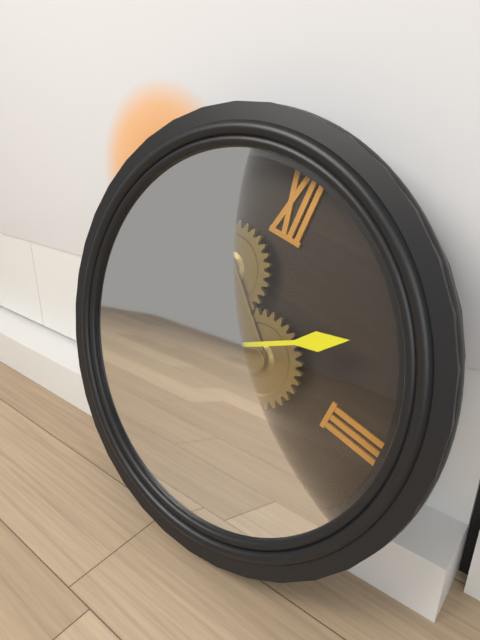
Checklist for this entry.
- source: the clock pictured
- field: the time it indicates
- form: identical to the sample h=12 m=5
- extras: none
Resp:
h=10 m=9
